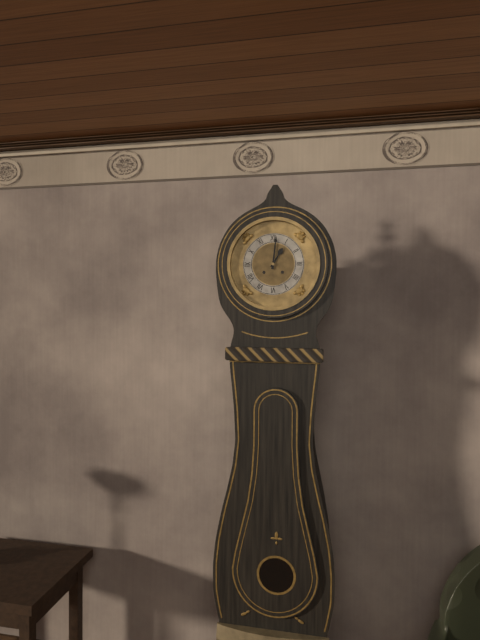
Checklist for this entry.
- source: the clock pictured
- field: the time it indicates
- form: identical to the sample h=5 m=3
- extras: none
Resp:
h=1 m=1
